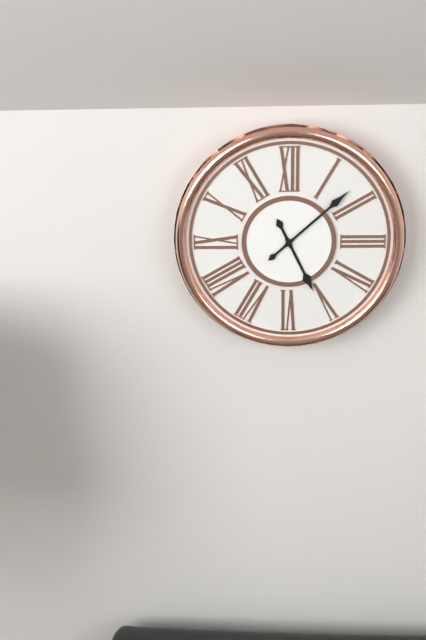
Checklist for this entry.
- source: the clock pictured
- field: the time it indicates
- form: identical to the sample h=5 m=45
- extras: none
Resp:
h=5 m=8
